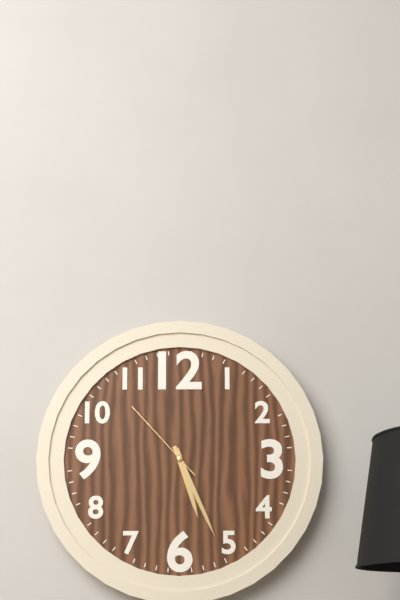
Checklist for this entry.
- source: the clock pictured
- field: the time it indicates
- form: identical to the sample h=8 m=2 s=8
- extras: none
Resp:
h=5 m=26 s=53
